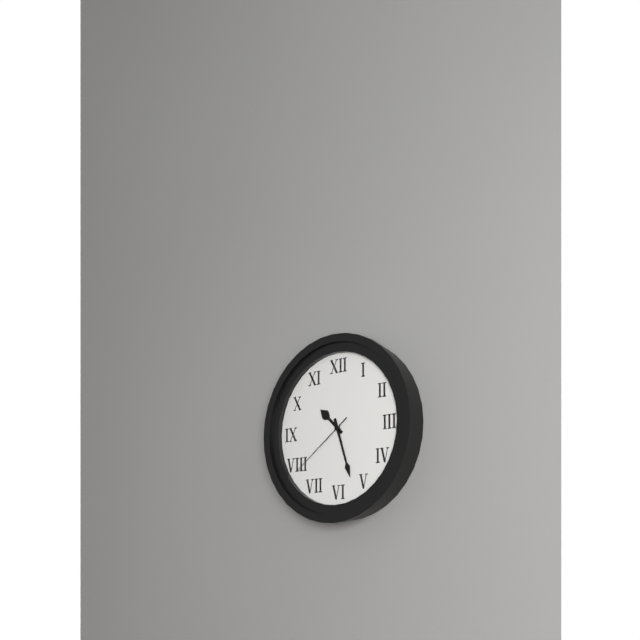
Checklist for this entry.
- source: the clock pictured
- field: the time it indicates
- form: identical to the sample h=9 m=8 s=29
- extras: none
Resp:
h=10 m=27 s=39
